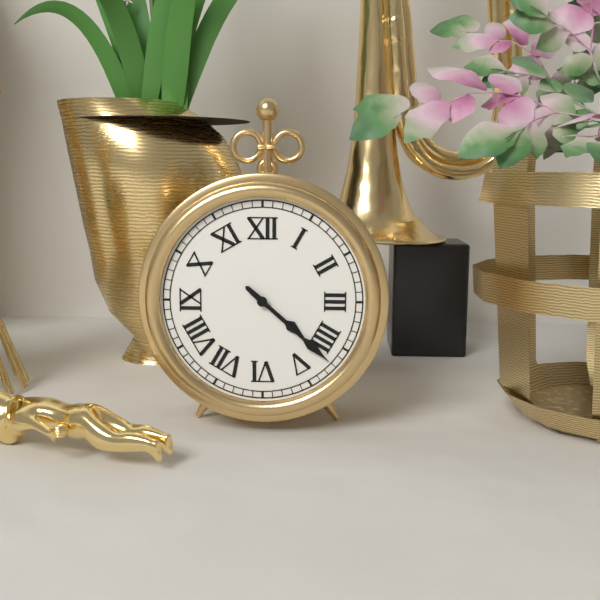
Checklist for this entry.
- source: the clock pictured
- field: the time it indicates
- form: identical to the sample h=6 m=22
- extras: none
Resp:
h=4 m=22
